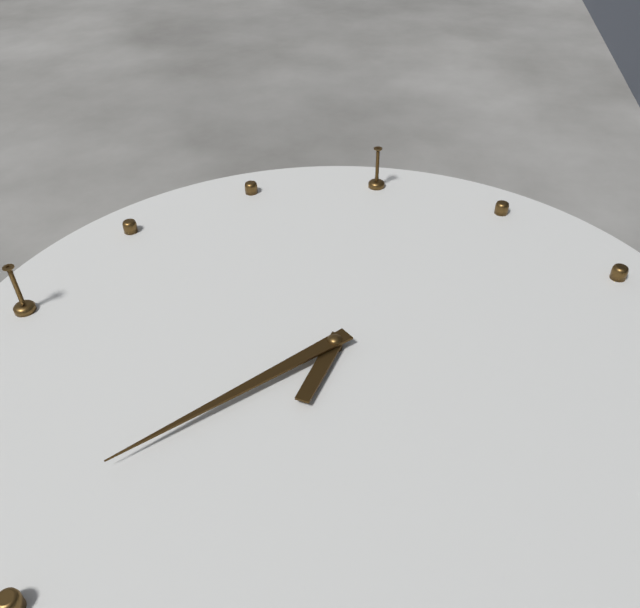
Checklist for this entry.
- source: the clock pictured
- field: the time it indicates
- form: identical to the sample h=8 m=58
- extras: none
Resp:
h=3 m=22
